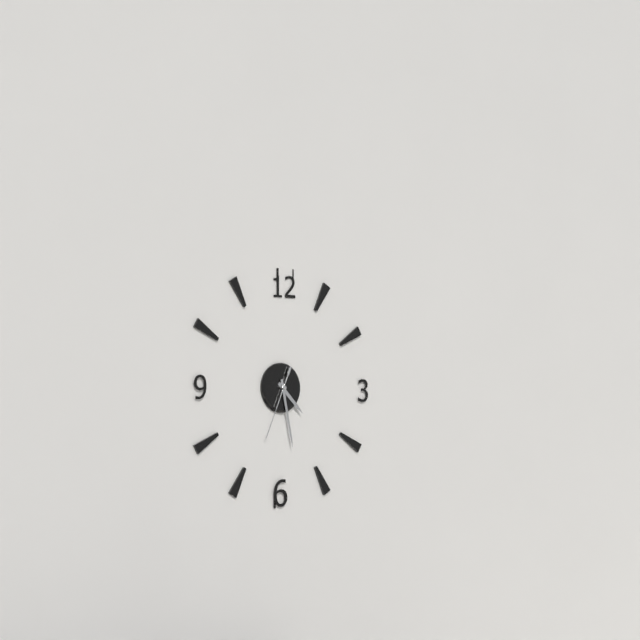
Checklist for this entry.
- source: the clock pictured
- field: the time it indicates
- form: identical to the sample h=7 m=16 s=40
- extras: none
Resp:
h=4 m=28 s=34
